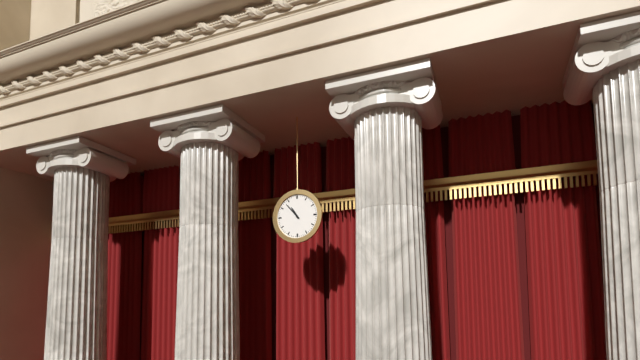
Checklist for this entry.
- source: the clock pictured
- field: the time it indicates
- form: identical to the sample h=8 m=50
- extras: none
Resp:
h=10 m=53
